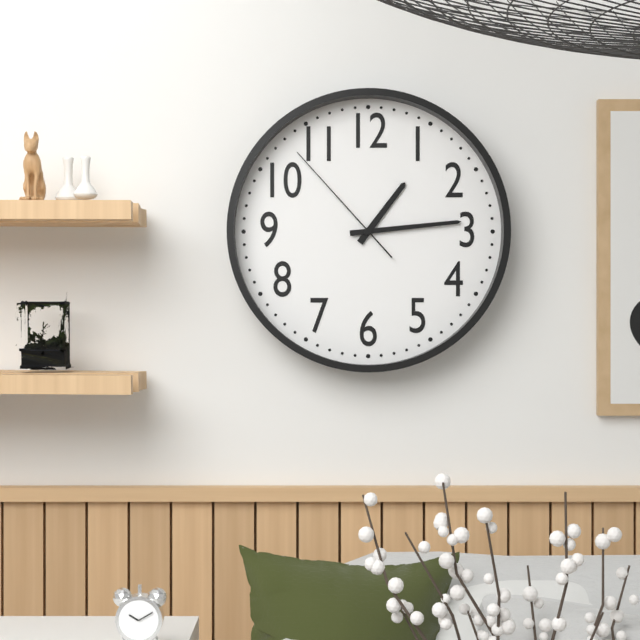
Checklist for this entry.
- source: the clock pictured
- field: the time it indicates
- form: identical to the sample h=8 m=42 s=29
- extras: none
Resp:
h=1 m=14 s=53
